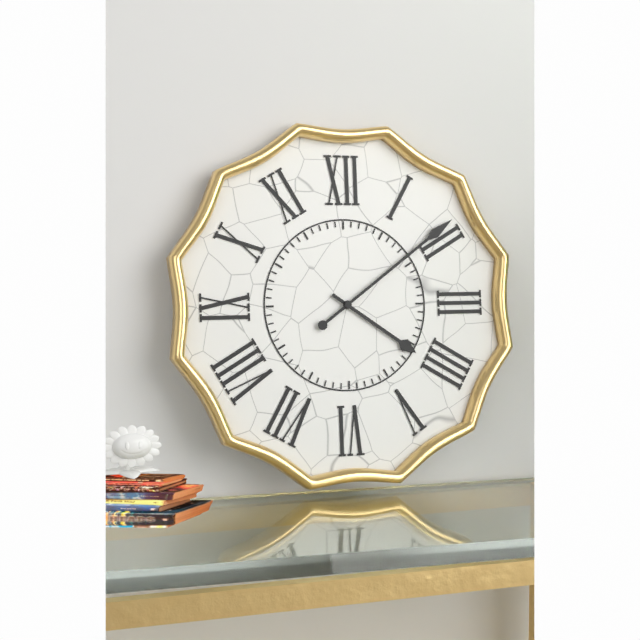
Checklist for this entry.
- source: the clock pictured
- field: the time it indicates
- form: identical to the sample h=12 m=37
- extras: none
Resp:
h=4 m=9
